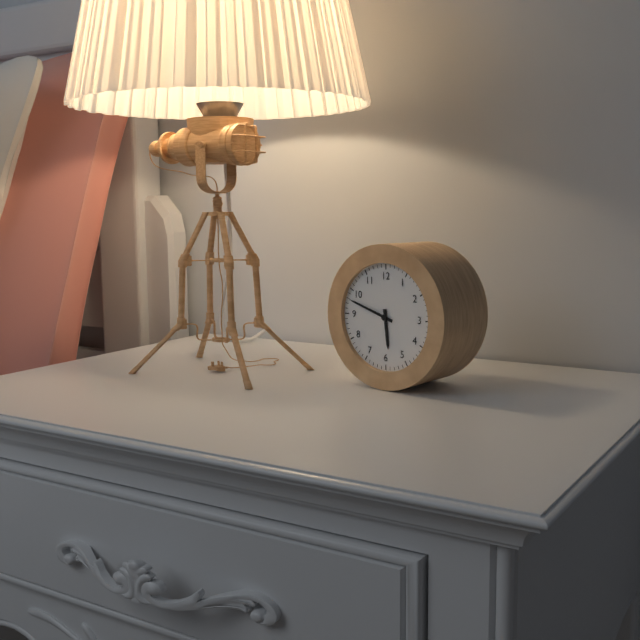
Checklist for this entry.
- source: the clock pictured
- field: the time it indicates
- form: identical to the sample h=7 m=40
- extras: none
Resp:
h=5 m=48
